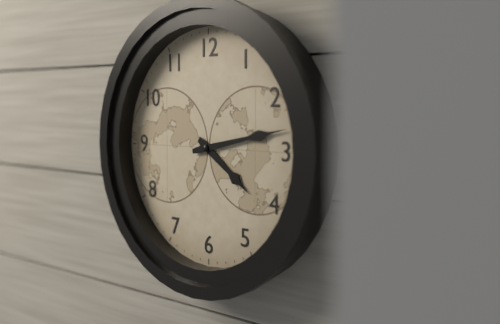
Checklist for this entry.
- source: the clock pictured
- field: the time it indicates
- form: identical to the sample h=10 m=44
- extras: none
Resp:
h=4 m=13
